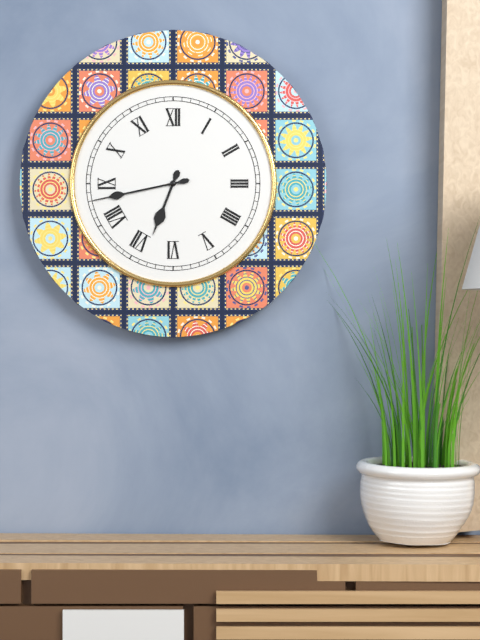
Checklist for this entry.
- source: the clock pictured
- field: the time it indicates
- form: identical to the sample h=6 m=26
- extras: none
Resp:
h=6 m=43
